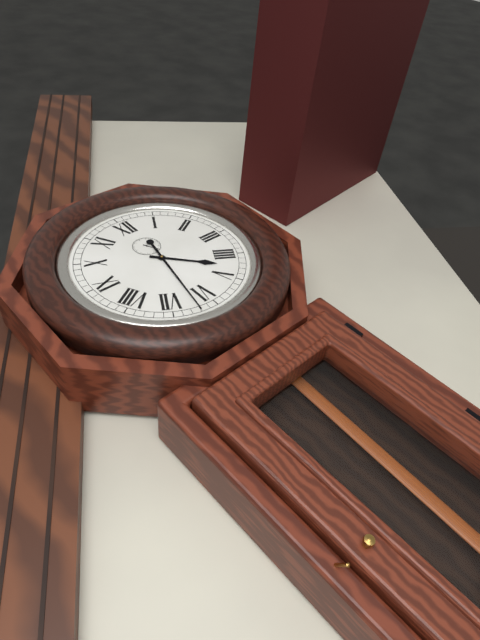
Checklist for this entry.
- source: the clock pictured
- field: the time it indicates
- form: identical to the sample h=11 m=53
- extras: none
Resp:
h=4 m=32
